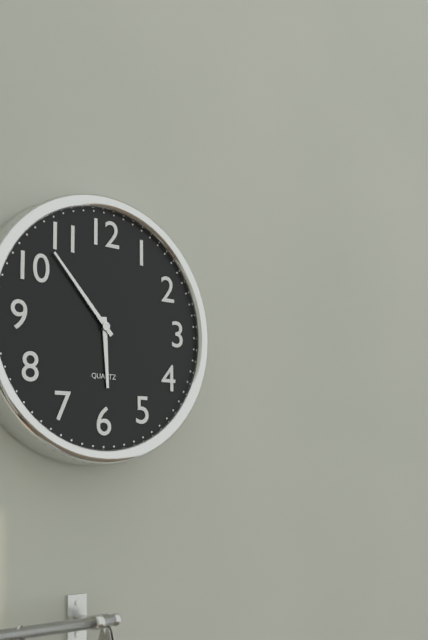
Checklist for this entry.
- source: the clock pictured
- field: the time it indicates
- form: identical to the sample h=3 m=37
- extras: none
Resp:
h=5 m=53
